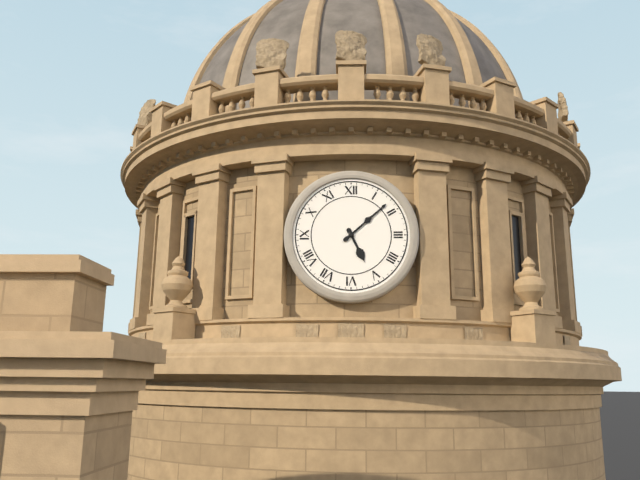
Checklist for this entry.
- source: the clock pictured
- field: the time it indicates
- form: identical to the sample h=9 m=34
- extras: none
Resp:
h=5 m=8
